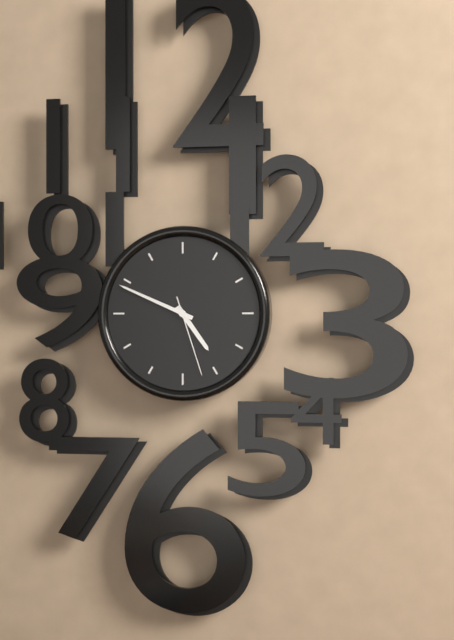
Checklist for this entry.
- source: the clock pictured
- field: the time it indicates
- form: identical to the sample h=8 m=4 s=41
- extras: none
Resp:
h=4 m=49 s=27
